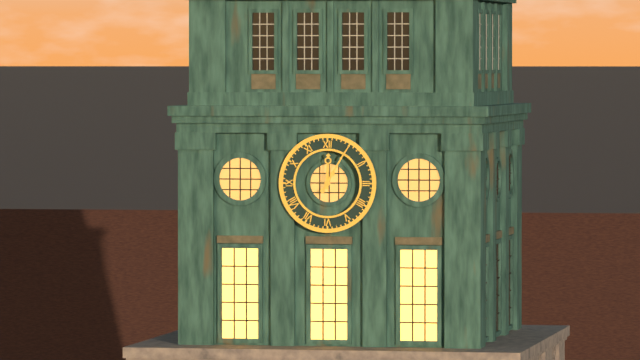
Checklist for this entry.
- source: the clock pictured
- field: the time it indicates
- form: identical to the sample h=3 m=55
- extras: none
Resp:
h=12 m=5
